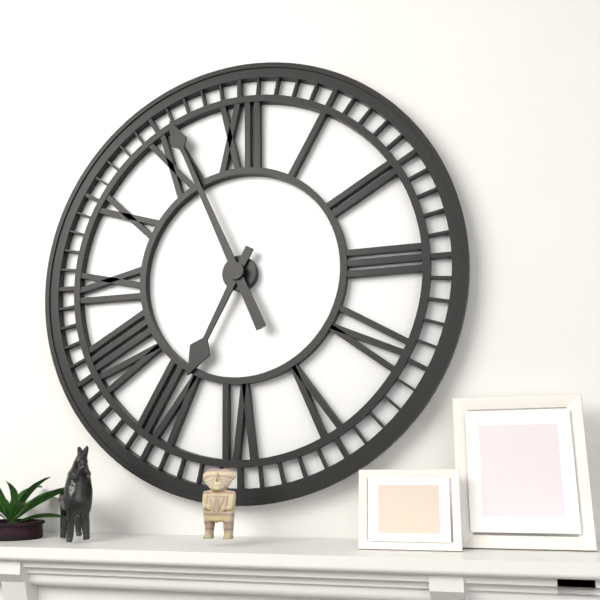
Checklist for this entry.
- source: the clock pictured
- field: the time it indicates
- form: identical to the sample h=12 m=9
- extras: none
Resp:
h=6 m=56
